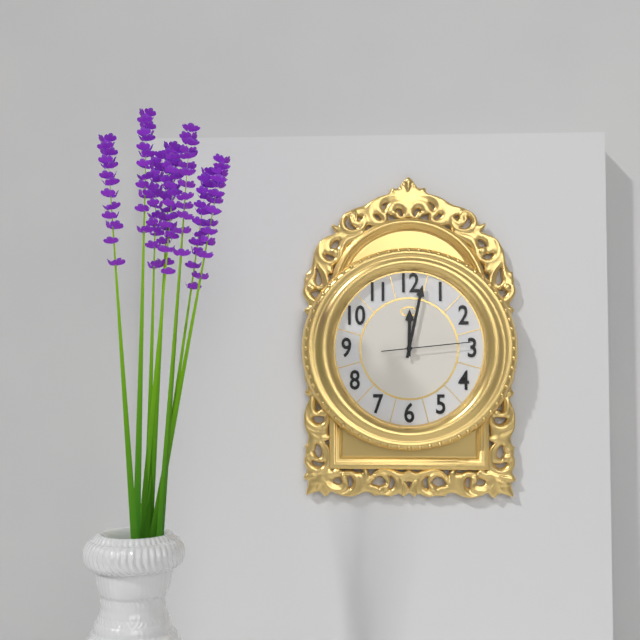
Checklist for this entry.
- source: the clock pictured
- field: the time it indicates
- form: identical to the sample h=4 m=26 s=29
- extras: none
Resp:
h=12 m=2 s=14
